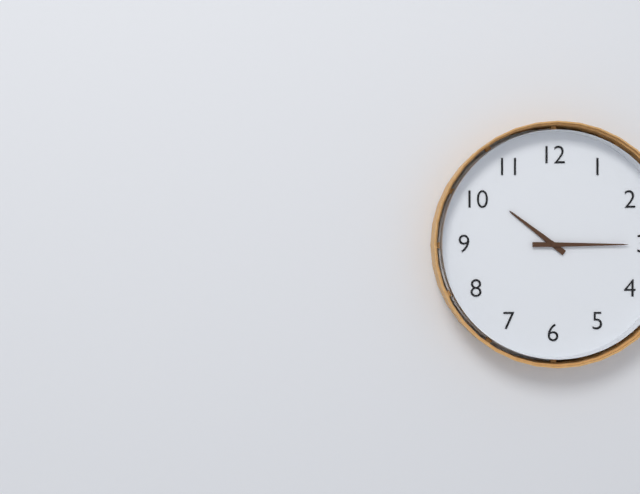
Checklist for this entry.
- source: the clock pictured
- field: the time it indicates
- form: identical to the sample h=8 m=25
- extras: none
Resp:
h=10 m=15
